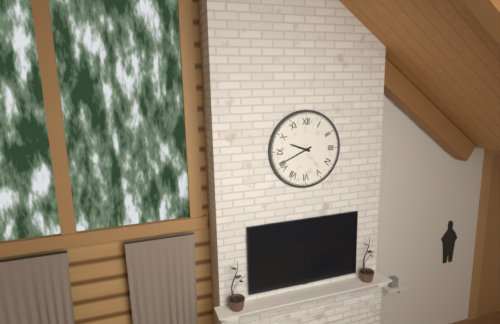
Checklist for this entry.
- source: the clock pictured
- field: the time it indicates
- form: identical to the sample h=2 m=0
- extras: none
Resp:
h=9 m=41
